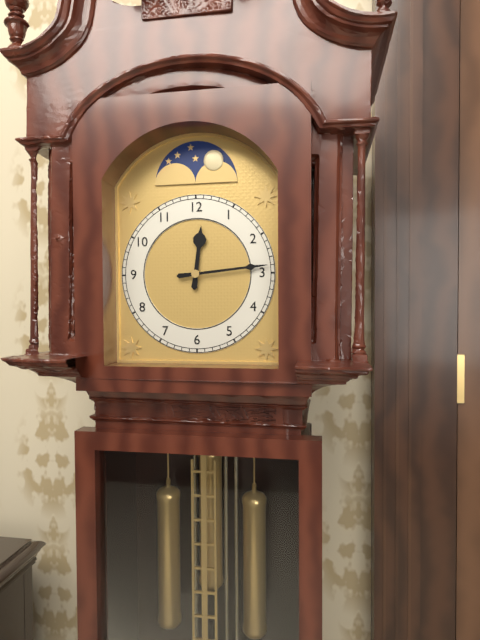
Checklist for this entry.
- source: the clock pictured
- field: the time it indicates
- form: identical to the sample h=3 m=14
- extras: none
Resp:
h=12 m=14
